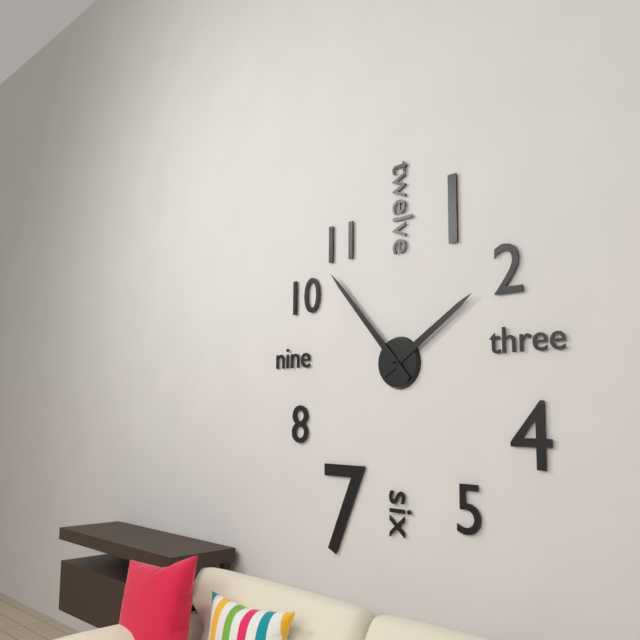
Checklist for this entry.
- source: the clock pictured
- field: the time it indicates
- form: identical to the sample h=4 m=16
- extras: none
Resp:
h=1 m=53
